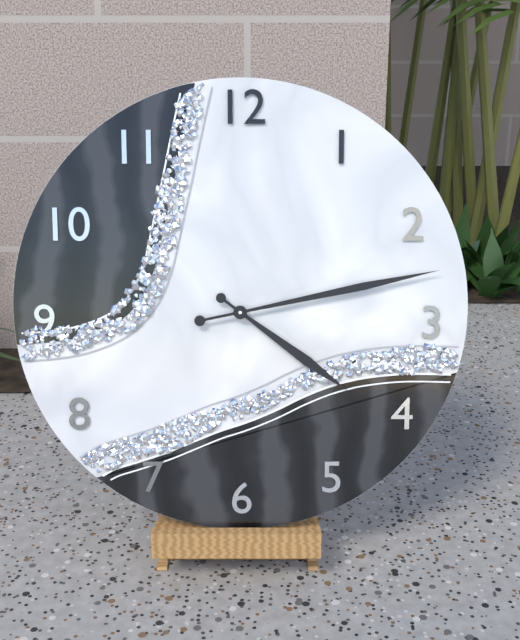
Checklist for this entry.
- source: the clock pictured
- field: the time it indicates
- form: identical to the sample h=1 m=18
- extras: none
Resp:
h=4 m=13
